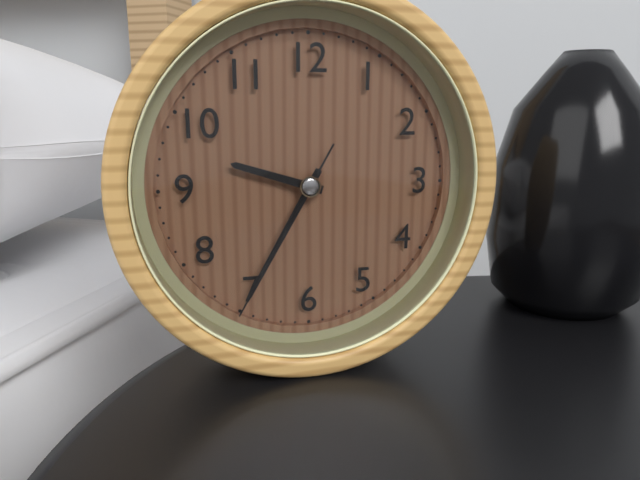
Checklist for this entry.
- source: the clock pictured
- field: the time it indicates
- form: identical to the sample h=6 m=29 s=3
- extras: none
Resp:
h=9 m=35 s=35
